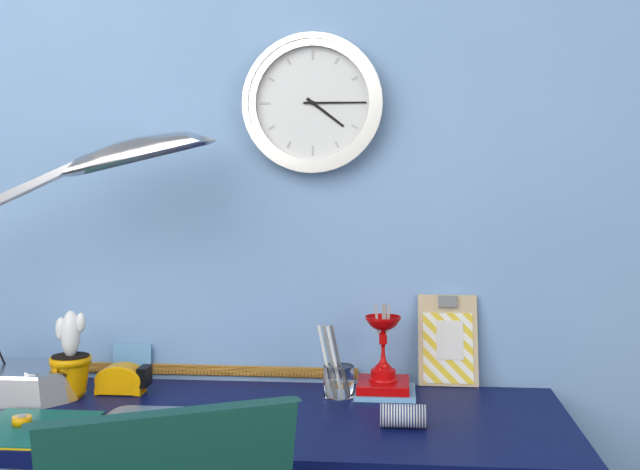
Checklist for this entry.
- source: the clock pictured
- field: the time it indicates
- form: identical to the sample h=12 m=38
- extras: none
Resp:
h=4 m=15
